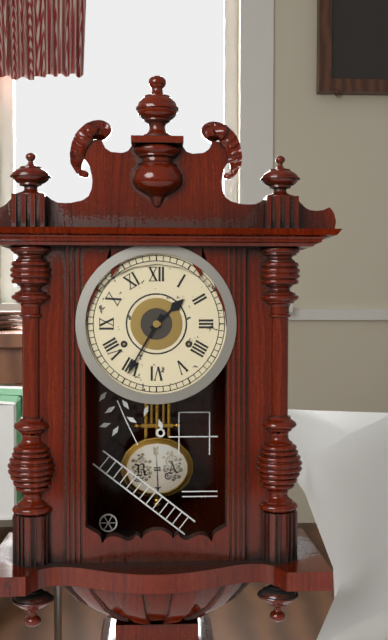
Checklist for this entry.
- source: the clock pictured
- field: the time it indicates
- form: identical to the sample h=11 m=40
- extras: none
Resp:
h=1 m=35
